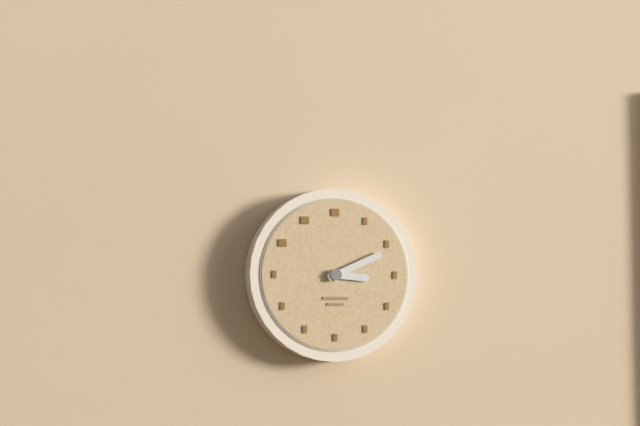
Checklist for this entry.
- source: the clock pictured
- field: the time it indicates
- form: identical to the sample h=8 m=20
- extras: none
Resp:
h=3 m=11
